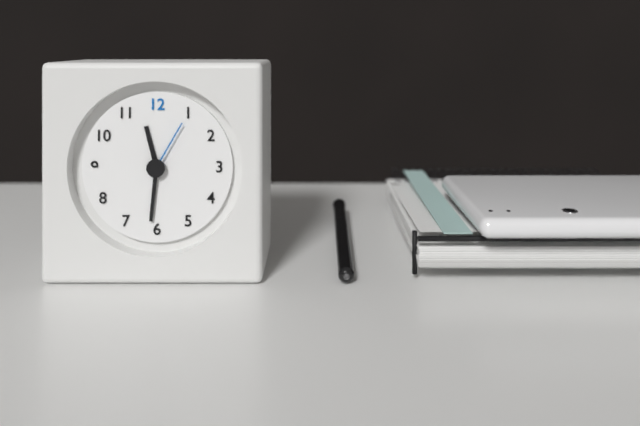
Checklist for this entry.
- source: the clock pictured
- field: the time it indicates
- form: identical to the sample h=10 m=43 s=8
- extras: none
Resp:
h=11 m=31 s=5
